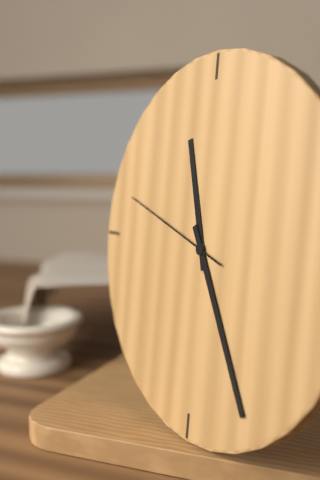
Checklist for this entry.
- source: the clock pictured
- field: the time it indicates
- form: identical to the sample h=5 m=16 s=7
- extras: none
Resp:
h=11 m=25 s=48
